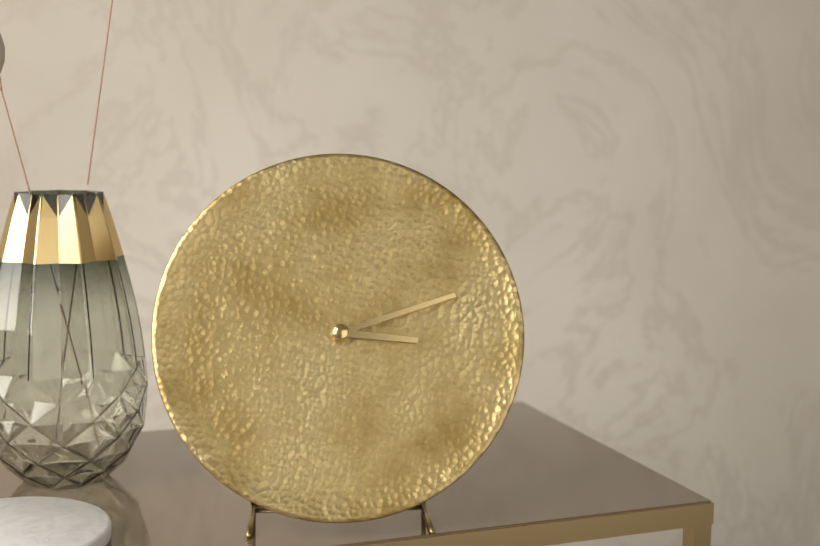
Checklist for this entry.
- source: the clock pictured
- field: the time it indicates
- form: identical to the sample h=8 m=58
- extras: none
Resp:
h=3 m=12
